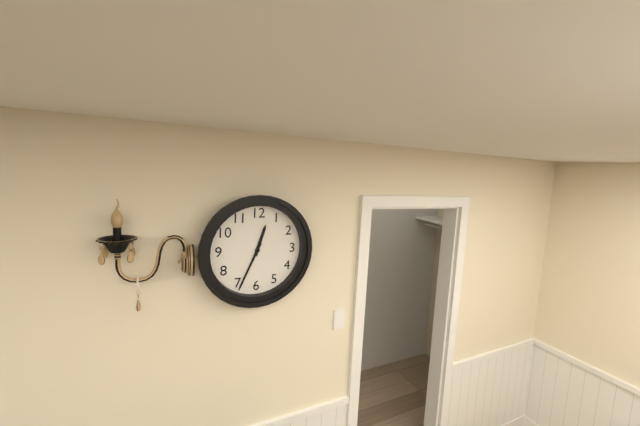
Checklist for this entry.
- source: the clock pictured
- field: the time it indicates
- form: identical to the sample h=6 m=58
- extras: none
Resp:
h=12 m=34
